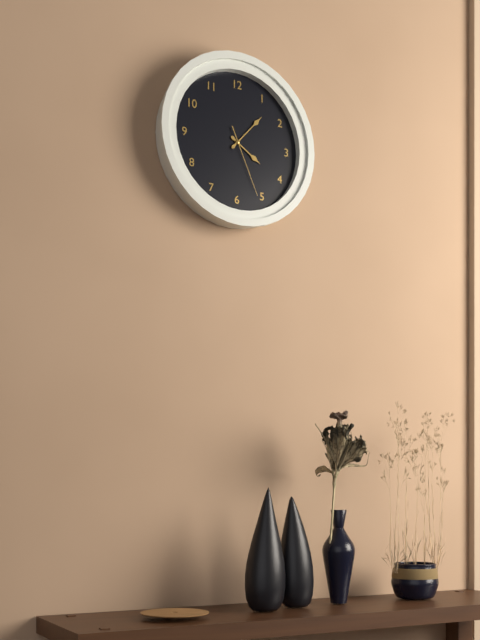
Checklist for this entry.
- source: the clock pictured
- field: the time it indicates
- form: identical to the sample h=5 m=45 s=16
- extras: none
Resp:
h=4 m=7 s=26
